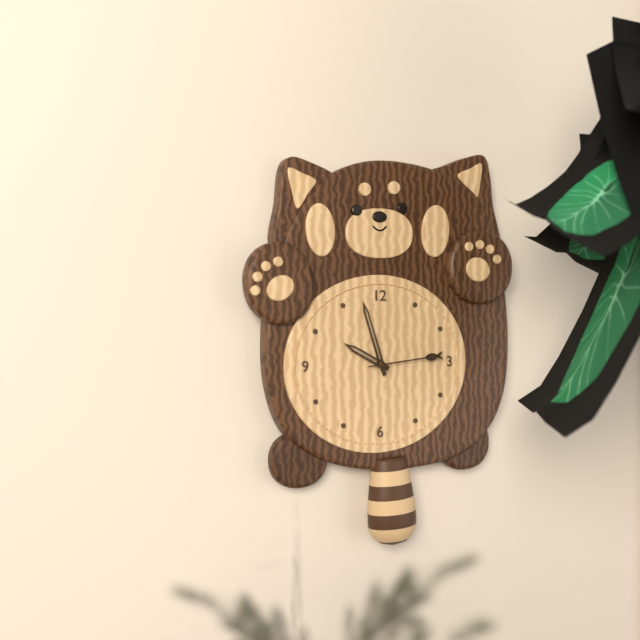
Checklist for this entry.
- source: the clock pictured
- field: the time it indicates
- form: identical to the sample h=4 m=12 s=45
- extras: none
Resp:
h=9 m=57 s=14
